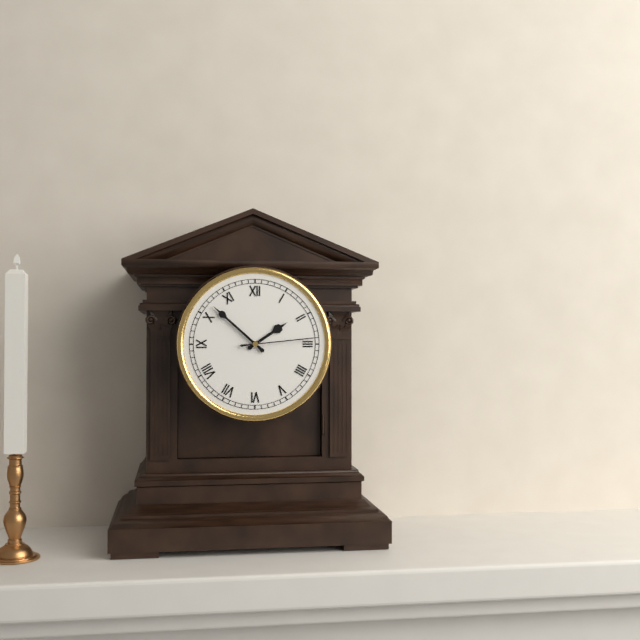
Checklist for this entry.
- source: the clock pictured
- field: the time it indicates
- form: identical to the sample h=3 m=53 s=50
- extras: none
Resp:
h=1 m=52 s=14
